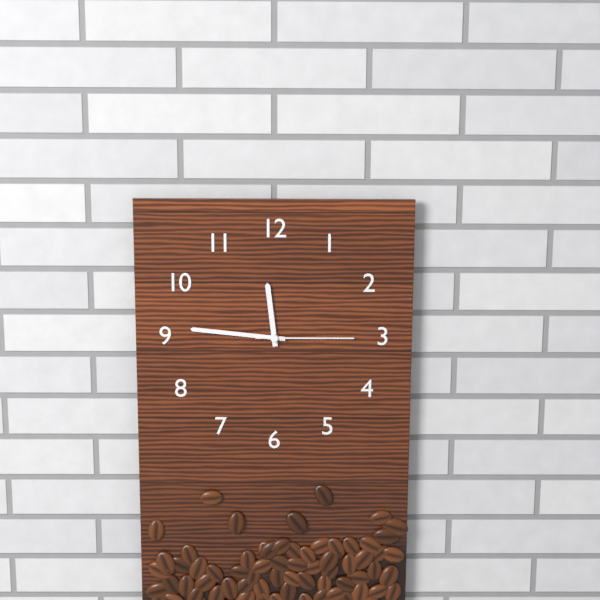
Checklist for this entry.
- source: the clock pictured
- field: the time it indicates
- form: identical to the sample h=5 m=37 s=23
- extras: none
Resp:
h=11 m=46 s=15
